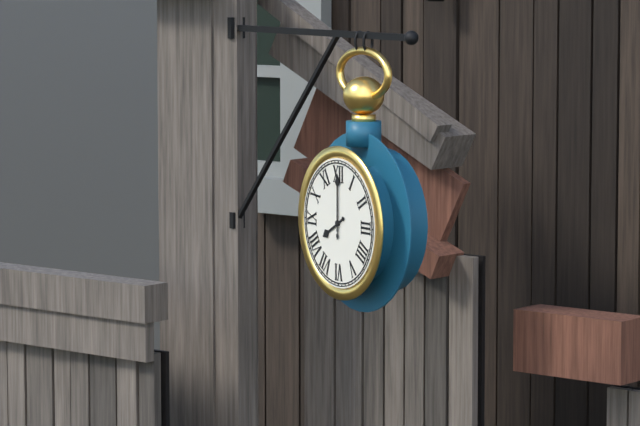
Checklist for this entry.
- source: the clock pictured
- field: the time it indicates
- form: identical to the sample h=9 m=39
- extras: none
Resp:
h=8 m=0
